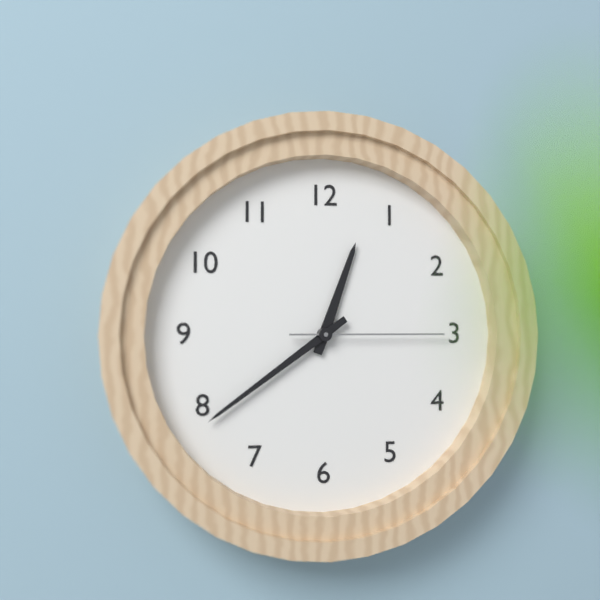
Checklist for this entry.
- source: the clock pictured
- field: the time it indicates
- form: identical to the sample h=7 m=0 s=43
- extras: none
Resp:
h=12 m=39 s=15
